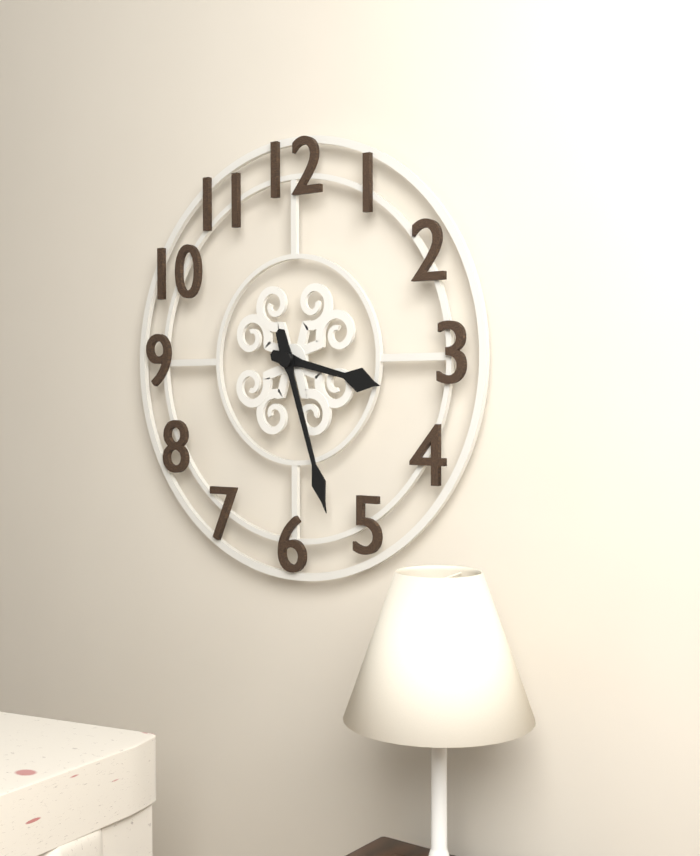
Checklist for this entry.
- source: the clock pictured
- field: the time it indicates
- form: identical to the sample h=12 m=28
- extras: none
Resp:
h=3 m=27
